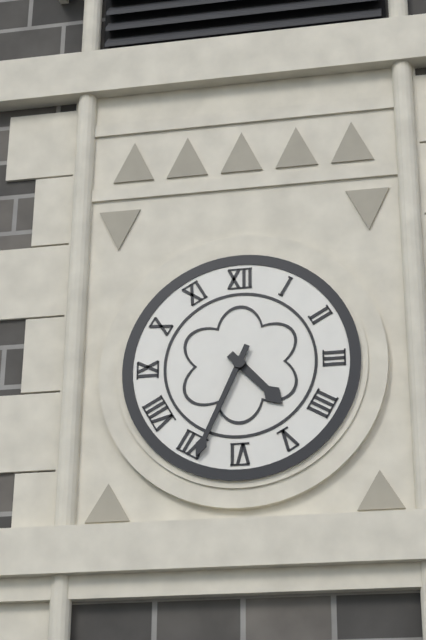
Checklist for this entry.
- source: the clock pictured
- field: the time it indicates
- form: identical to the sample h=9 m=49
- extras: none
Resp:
h=4 m=34
